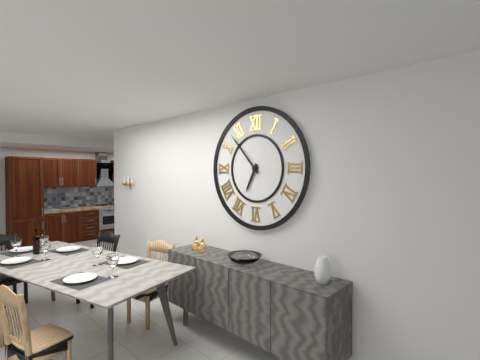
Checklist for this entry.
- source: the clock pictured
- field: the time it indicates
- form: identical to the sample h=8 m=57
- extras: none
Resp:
h=6 m=53
